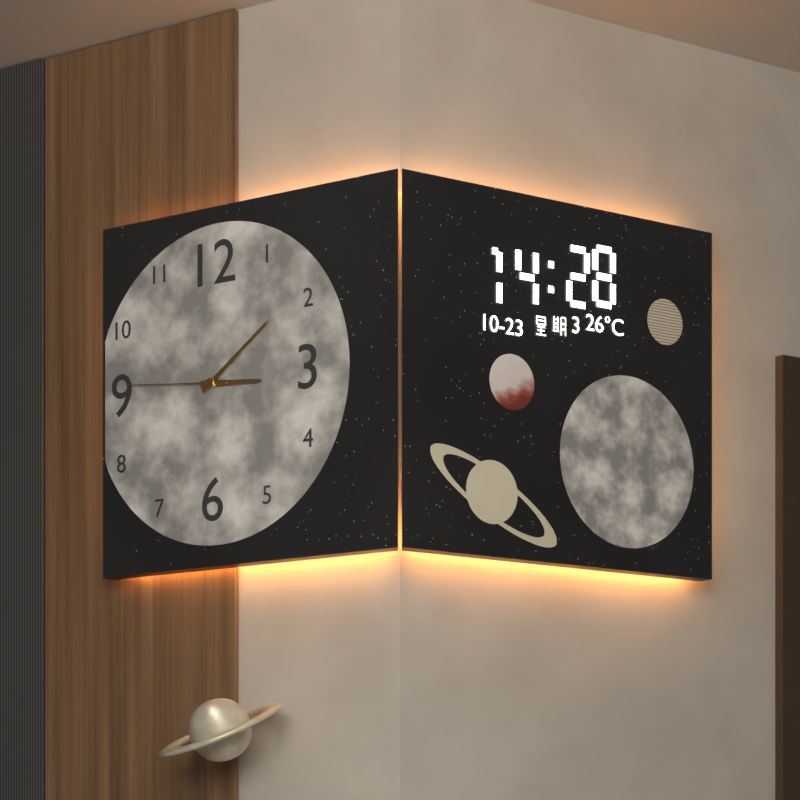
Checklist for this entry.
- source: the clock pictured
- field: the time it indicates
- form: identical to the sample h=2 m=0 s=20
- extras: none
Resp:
h=3 m=9 s=46
